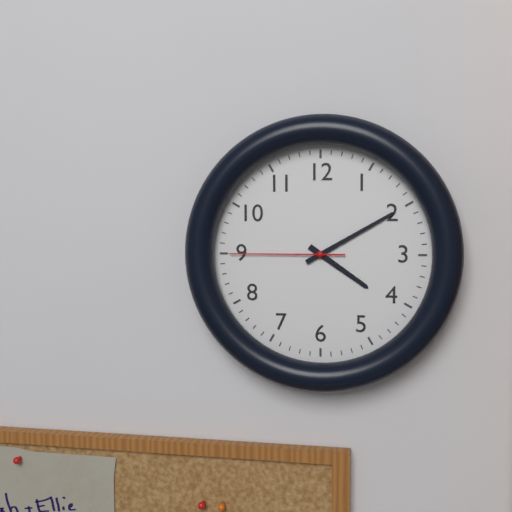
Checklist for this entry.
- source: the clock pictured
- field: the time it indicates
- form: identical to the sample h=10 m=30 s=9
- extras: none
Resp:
h=4 m=10 s=45
